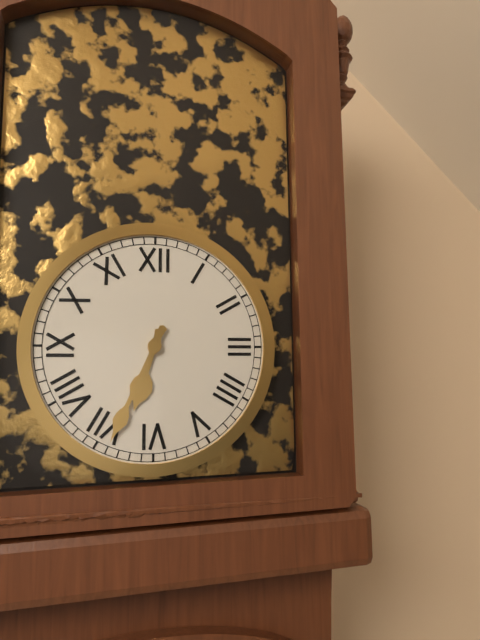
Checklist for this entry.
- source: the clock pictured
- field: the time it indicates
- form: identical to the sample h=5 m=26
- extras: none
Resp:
h=6 m=34
